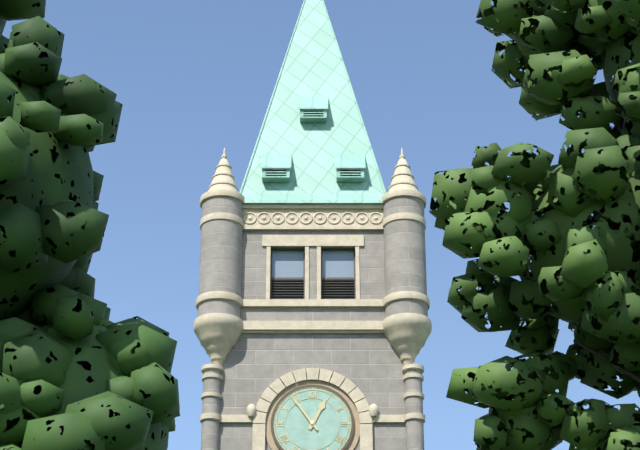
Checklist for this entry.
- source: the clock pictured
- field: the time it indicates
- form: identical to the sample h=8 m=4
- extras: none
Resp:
h=12 m=54
